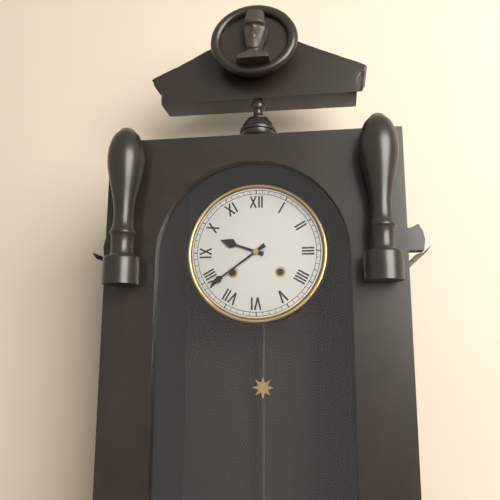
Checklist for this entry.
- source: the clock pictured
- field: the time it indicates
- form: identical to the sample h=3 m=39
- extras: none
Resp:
h=9 m=39
